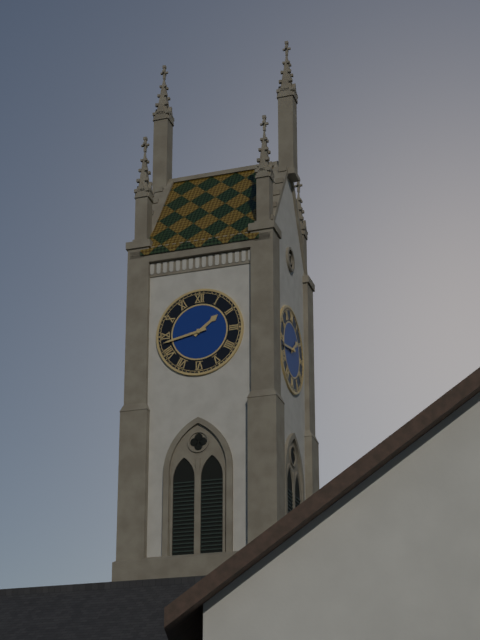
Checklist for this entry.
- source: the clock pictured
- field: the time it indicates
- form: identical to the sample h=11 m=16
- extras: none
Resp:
h=1 m=43
